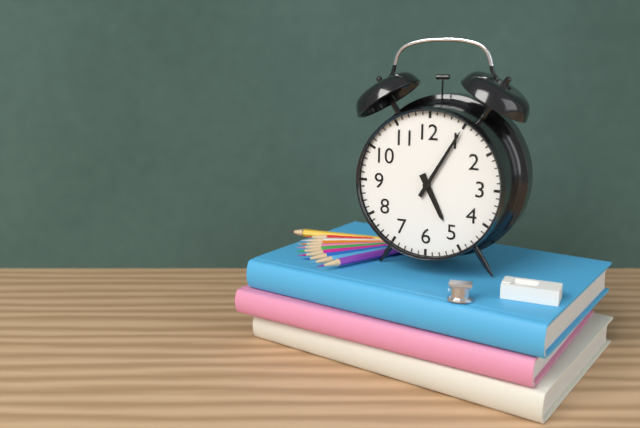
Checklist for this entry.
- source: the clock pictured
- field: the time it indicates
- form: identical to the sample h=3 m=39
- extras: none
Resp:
h=5 m=5
